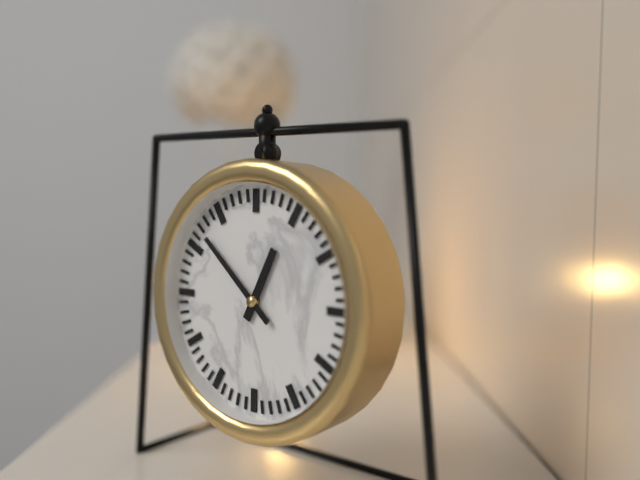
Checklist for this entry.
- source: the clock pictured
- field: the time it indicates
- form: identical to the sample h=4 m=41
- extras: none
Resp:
h=12 m=52
